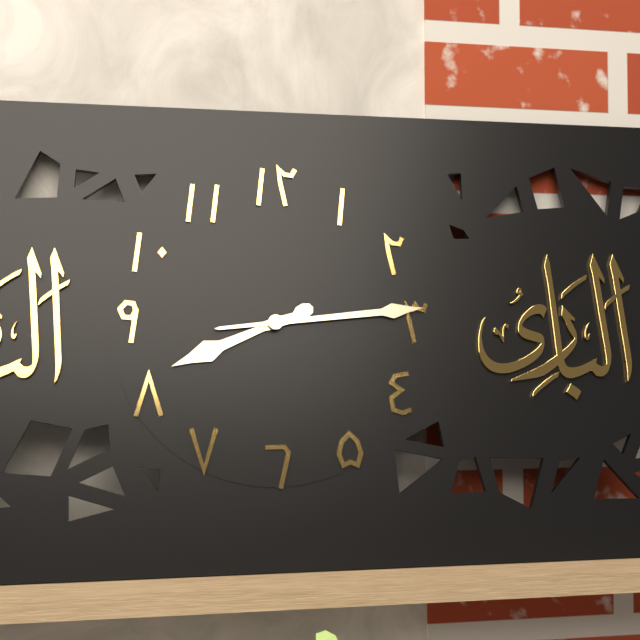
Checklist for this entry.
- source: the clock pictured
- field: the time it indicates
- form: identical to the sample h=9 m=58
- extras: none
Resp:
h=8 m=14
